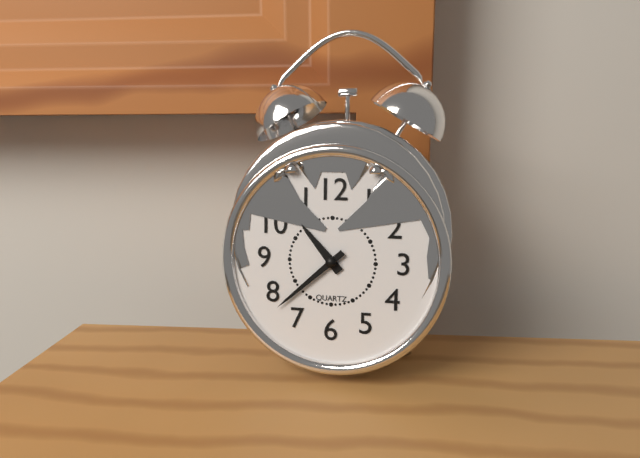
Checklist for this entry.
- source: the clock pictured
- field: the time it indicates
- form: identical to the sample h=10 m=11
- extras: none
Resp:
h=10 m=38
